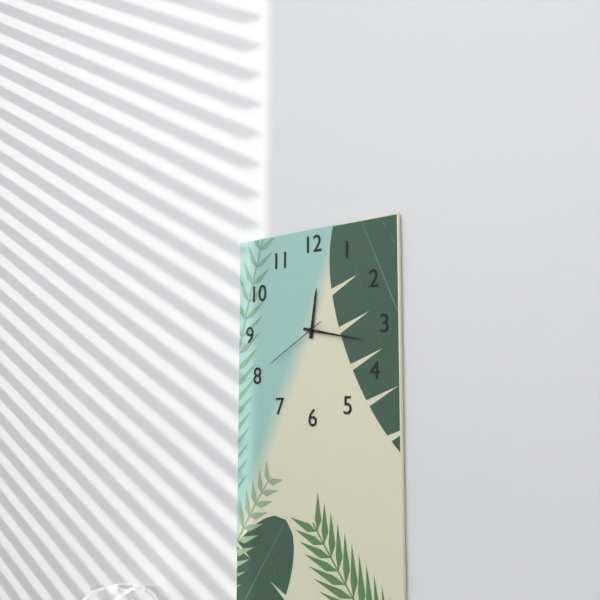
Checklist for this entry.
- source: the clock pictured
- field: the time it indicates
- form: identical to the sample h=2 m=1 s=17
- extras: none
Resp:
h=12 m=17 s=40
